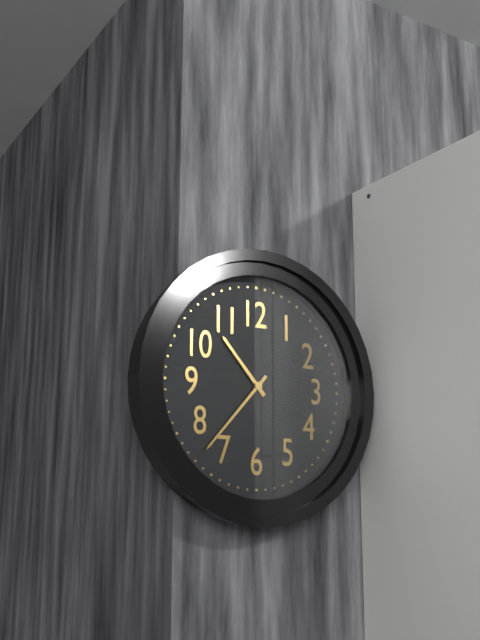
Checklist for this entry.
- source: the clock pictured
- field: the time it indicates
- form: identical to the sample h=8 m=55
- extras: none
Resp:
h=10 m=37
